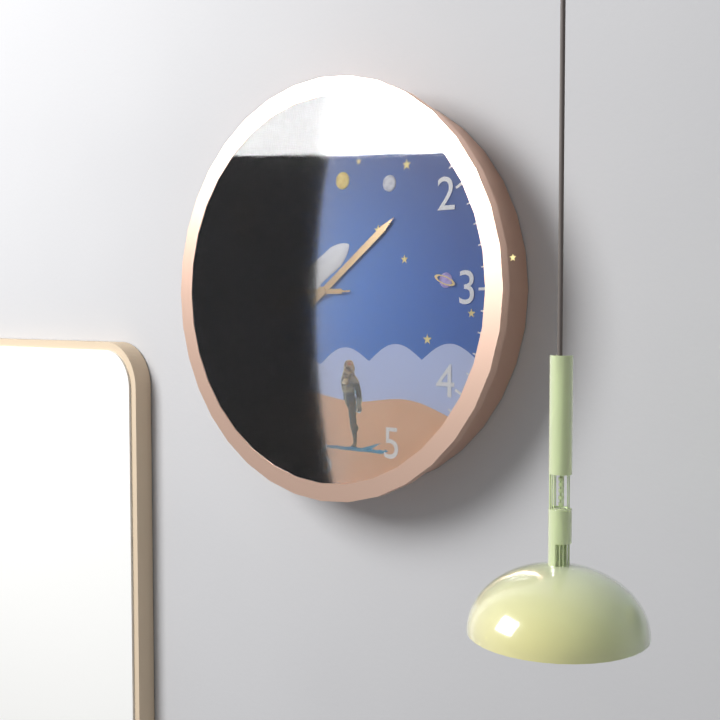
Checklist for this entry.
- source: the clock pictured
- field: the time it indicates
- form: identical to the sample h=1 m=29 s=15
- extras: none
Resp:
h=1 m=45 s=45
